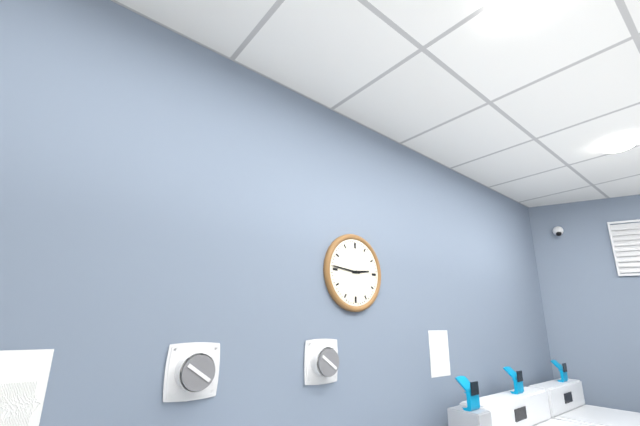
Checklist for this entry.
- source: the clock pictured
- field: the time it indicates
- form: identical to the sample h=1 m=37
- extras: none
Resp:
h=2 m=46
